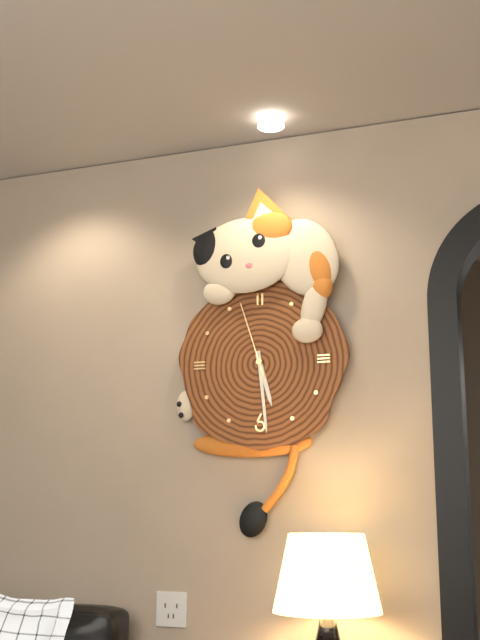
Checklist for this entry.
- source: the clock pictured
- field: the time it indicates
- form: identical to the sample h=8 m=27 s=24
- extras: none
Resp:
h=5 m=29 s=57
